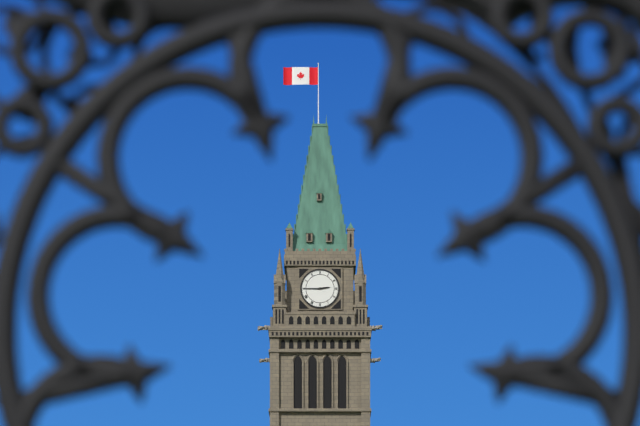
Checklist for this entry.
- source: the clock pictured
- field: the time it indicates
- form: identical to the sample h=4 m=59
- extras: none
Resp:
h=2 m=45
